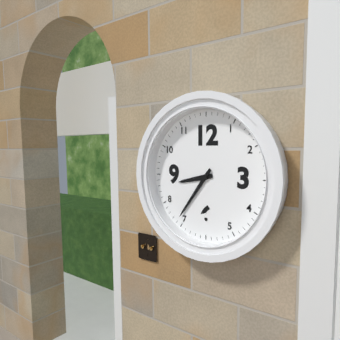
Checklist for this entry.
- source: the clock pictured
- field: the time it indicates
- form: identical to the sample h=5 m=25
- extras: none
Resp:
h=8 m=36
